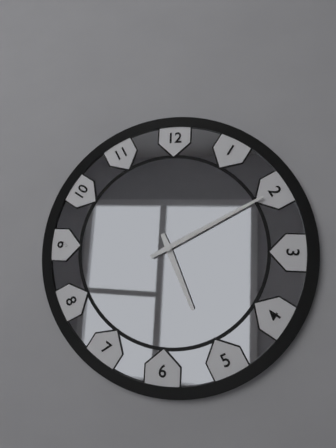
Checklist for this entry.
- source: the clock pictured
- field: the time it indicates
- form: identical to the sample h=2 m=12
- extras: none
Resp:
h=5 m=10
